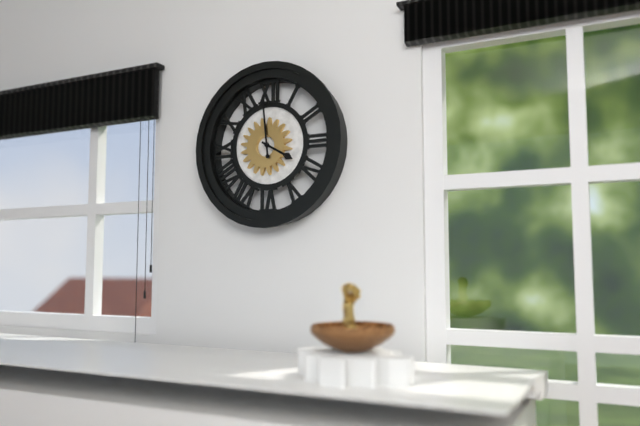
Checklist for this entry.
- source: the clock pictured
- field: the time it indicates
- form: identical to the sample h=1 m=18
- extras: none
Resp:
h=3 m=59
